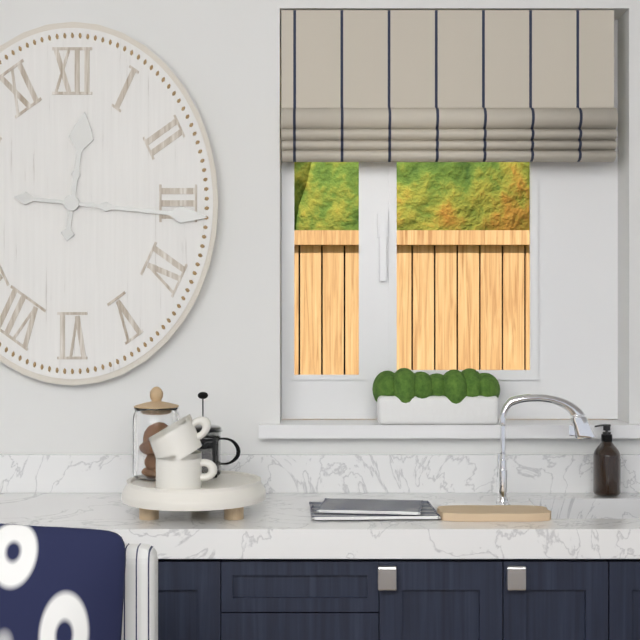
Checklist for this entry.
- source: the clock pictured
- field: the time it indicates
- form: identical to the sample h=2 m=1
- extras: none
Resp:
h=12 m=16
